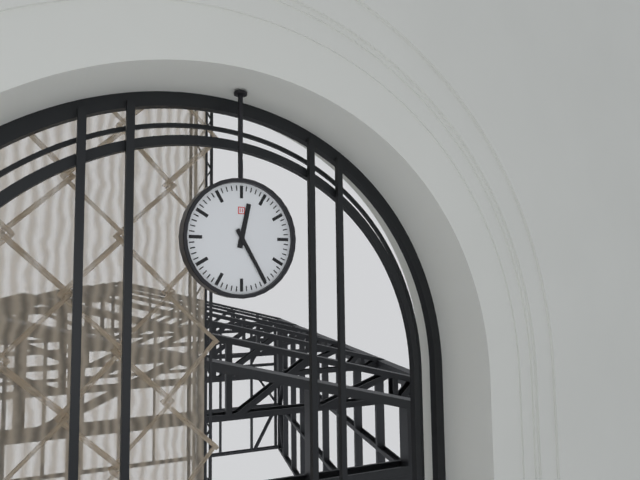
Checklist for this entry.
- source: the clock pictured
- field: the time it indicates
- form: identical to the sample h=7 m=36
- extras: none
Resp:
h=12 m=25
